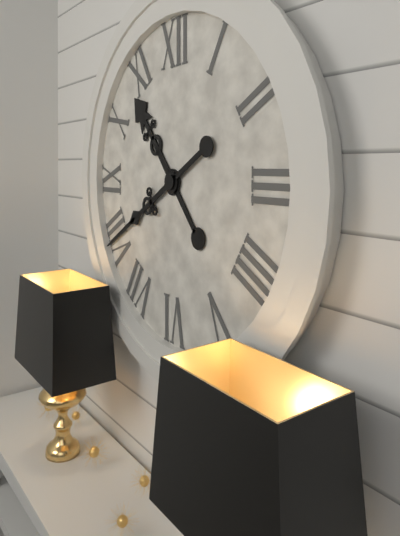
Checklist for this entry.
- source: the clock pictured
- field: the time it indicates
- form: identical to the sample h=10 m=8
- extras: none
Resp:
h=10 m=40
